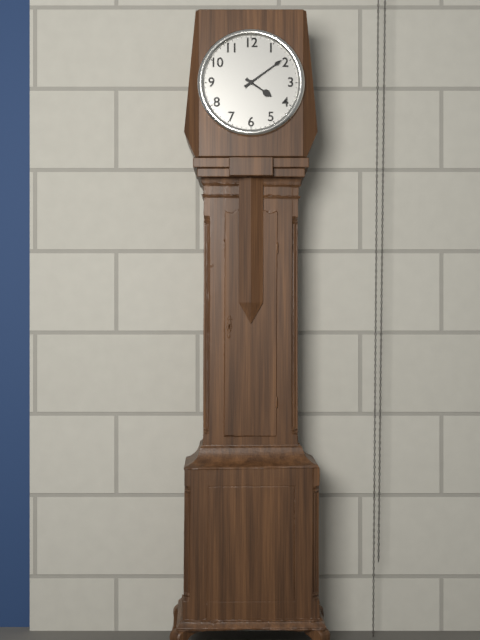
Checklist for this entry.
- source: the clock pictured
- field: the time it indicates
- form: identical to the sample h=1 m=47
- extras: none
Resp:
h=4 m=9
